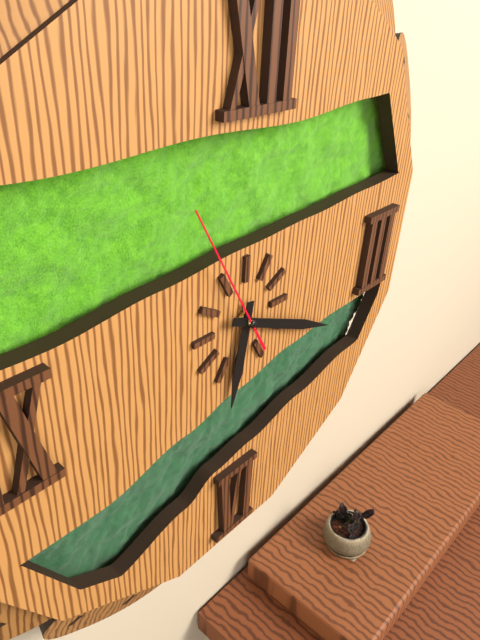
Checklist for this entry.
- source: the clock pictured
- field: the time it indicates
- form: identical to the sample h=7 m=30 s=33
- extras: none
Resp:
h=6 m=19 s=55
